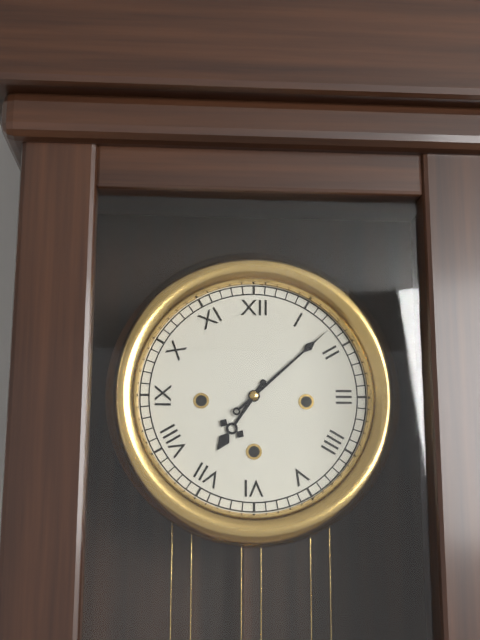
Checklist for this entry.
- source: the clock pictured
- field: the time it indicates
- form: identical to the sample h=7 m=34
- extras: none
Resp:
h=7 m=8
